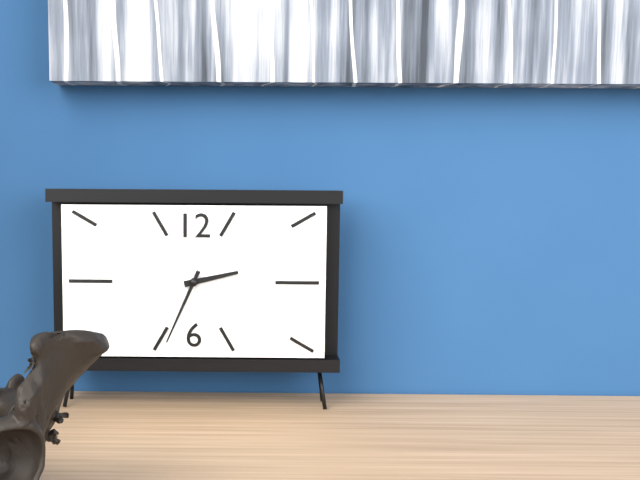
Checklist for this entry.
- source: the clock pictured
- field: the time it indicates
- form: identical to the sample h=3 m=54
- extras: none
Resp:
h=2 m=34
